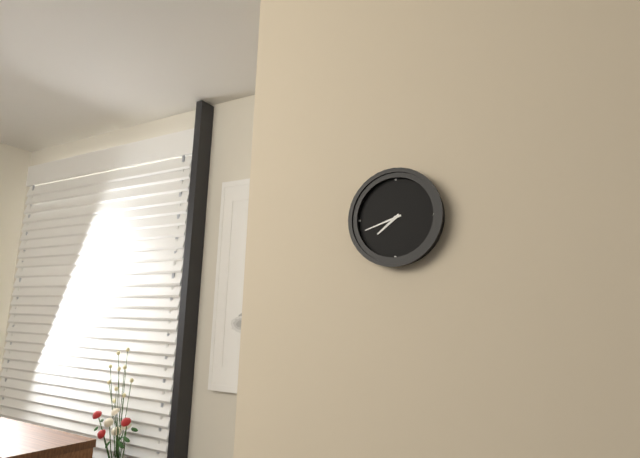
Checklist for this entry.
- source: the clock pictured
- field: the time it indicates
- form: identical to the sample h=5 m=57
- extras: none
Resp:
h=7 m=42
